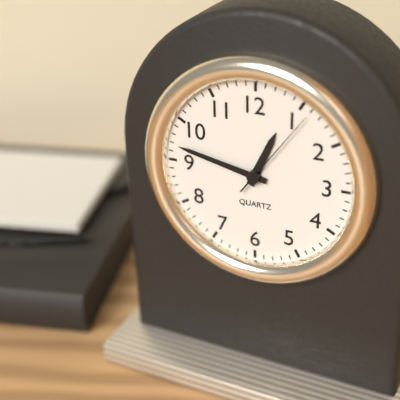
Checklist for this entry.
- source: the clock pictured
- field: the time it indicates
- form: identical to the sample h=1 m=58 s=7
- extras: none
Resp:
h=12 m=47 s=6
